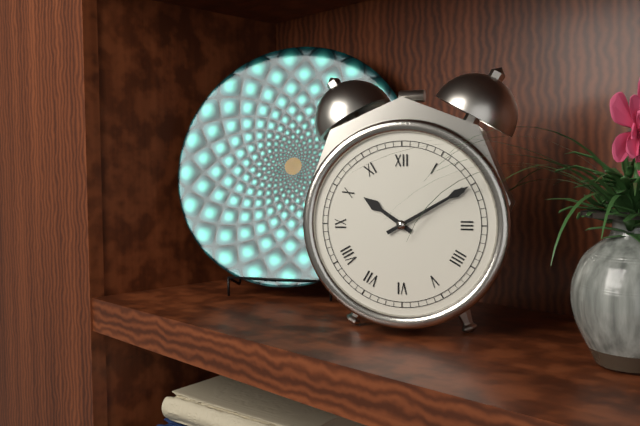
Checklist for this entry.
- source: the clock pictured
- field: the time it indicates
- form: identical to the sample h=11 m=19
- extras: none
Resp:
h=10 m=10
